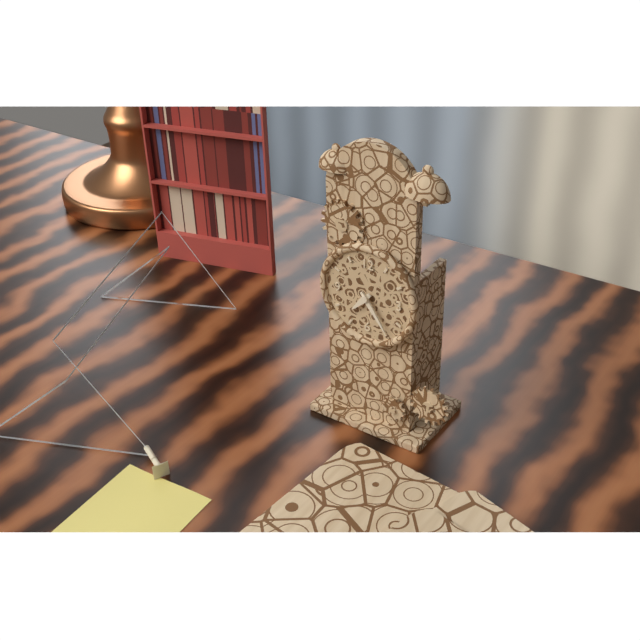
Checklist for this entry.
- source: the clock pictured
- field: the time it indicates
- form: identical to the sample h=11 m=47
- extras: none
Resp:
h=7 m=24
